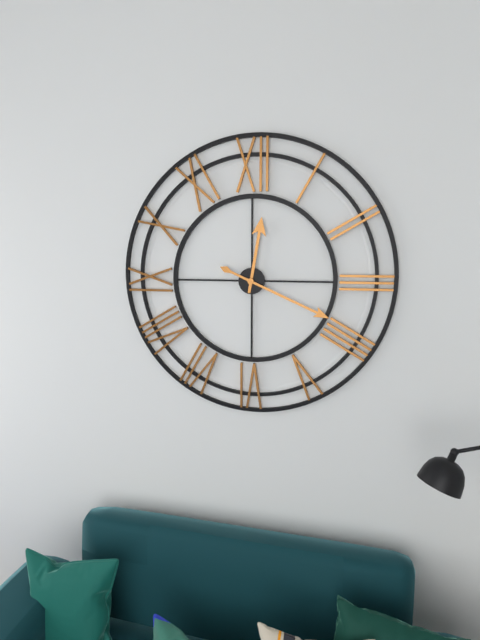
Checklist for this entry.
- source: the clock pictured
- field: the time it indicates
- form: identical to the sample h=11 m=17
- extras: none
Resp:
h=12 m=19
